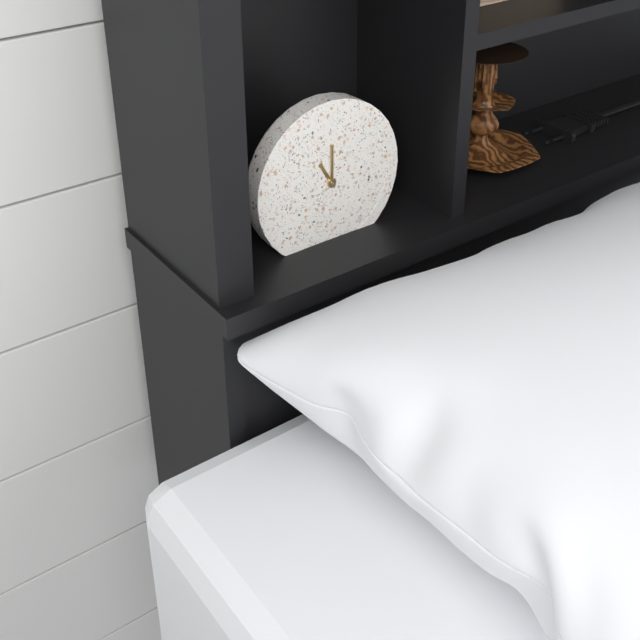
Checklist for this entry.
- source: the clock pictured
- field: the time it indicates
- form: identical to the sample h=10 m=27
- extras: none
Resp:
h=11 m=0
